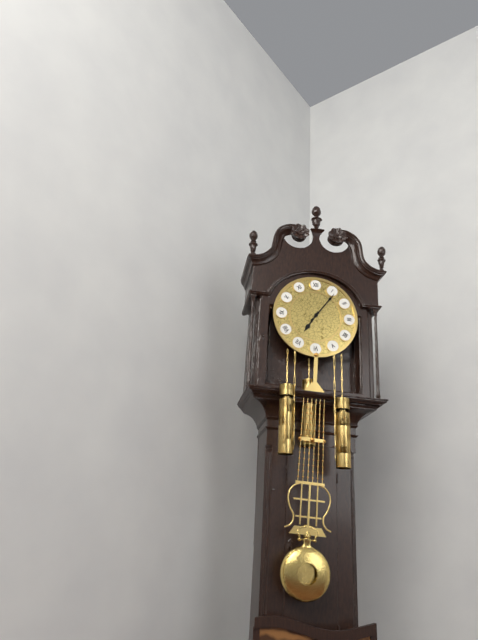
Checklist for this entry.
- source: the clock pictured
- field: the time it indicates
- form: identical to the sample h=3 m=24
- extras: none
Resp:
h=7 m=6
